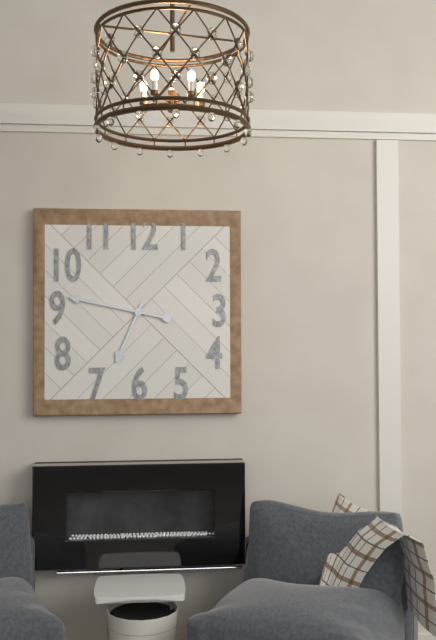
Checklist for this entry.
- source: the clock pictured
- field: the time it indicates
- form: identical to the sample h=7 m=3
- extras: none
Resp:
h=6 m=47
